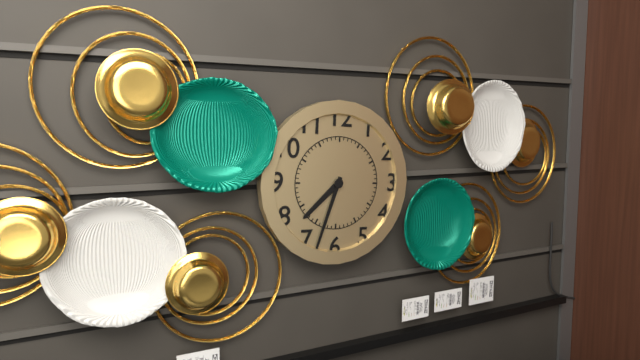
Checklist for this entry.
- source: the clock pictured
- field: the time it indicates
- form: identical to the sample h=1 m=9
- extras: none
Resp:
h=7 m=33
